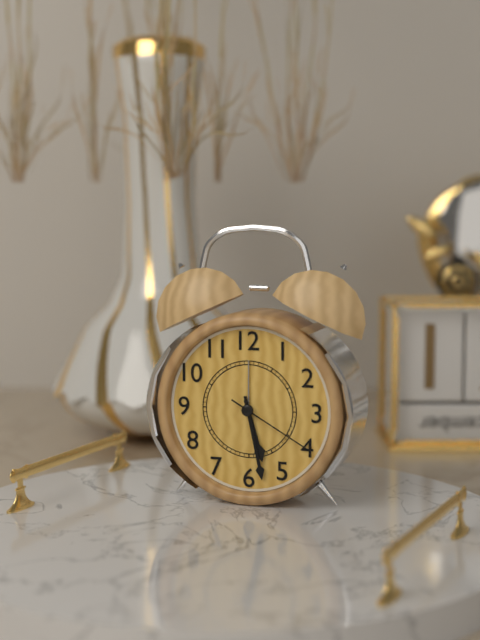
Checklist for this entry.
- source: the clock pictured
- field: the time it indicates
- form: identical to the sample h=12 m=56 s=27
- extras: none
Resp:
h=5 m=28 s=20
